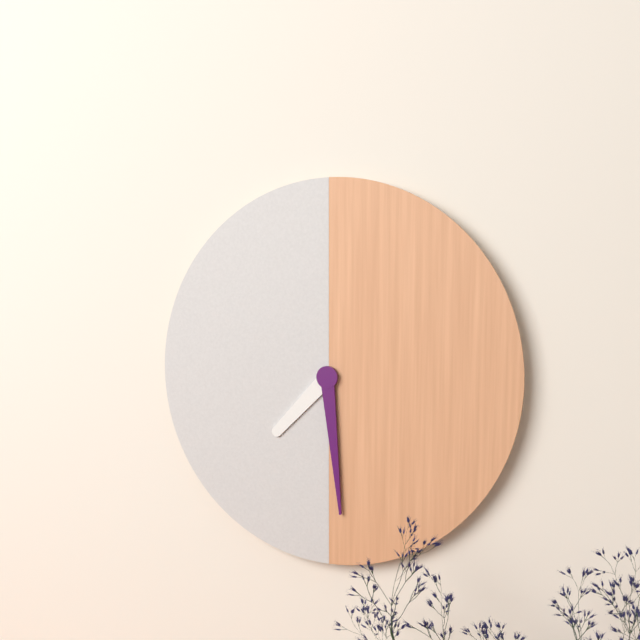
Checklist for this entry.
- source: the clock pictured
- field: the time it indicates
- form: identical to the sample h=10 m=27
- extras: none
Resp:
h=7 m=29
